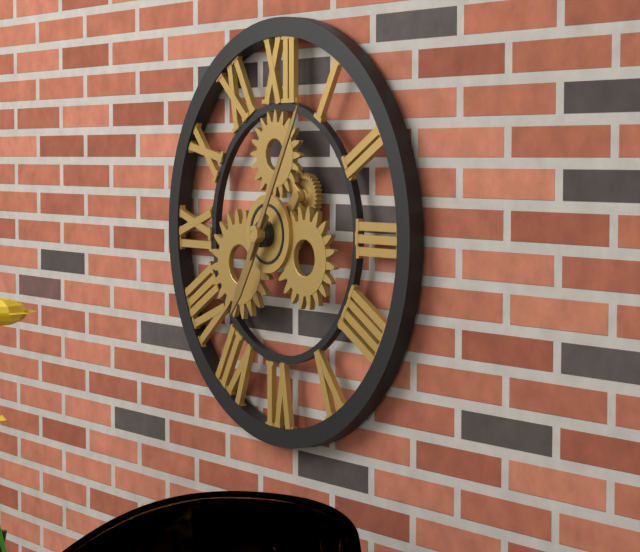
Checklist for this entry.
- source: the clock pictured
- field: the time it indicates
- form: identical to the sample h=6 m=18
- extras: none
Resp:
h=7 m=5
